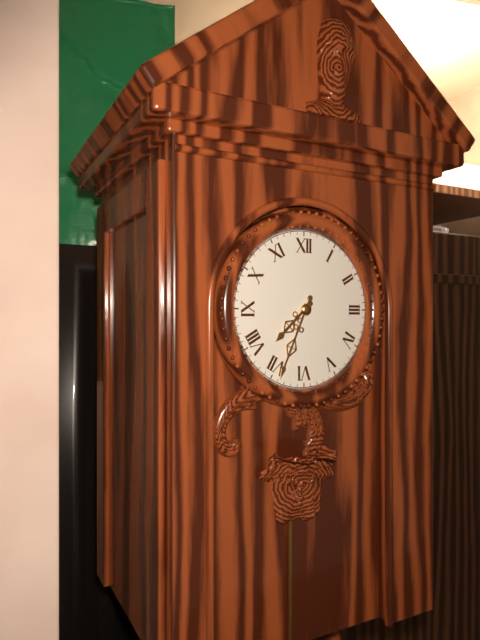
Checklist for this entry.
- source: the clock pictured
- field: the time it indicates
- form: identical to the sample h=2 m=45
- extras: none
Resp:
h=7 m=34
